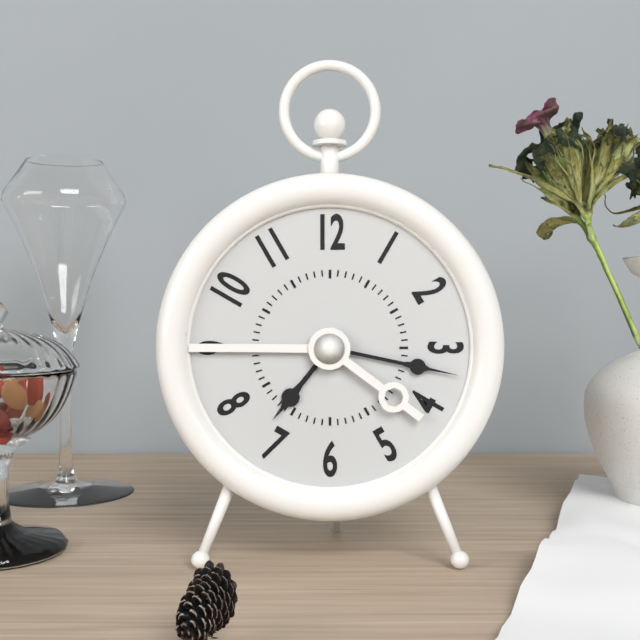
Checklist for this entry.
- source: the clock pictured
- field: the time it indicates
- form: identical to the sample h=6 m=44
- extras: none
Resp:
h=7 m=17
